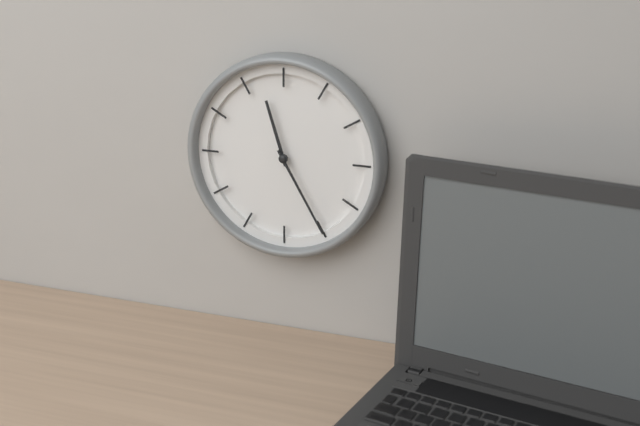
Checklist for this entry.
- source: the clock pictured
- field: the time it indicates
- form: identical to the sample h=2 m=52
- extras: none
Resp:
h=11 m=25
